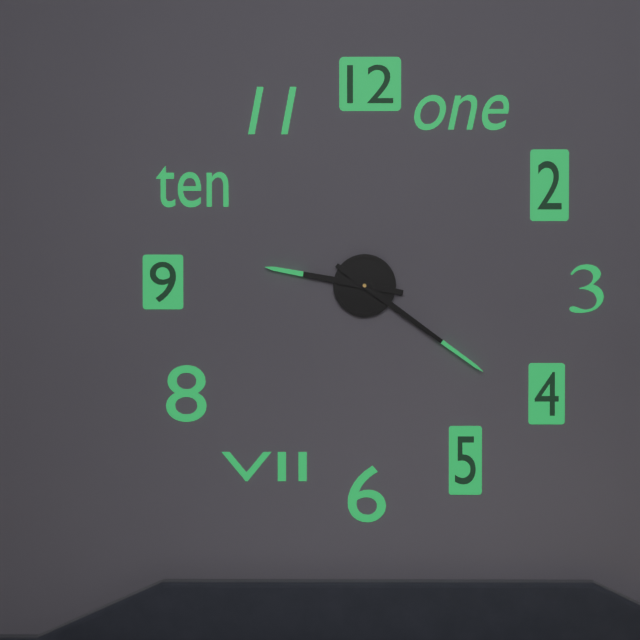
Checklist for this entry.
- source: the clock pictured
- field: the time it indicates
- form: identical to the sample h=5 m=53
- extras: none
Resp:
h=9 m=21
